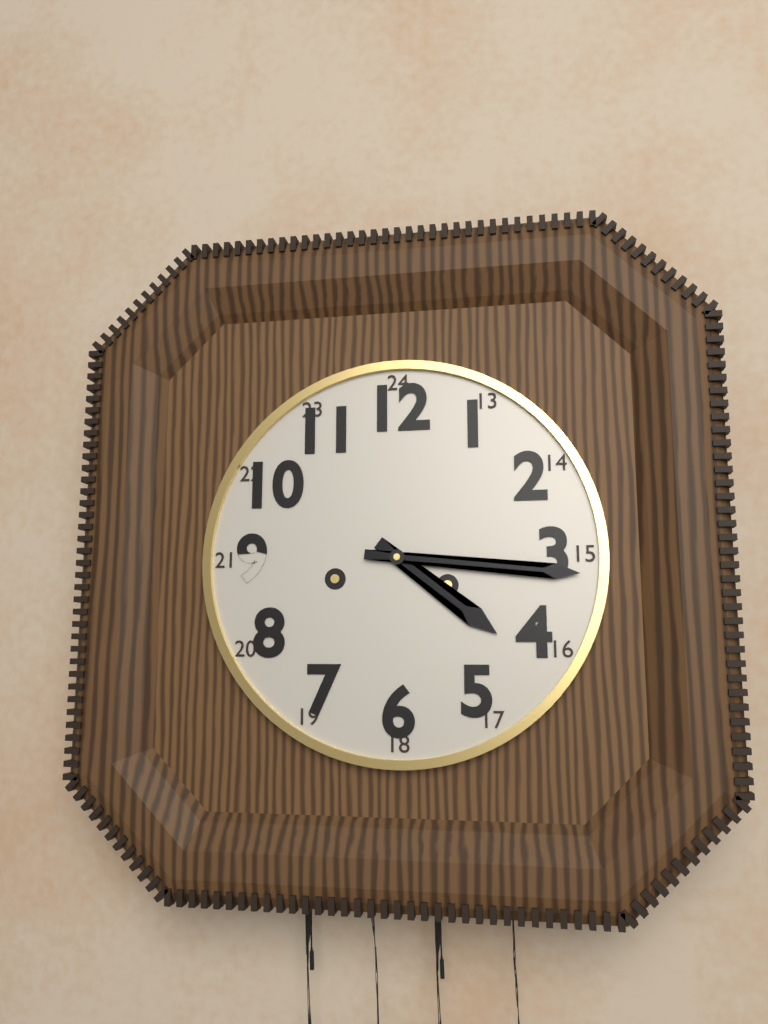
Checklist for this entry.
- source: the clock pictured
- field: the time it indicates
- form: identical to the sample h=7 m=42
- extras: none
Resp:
h=4 m=16
